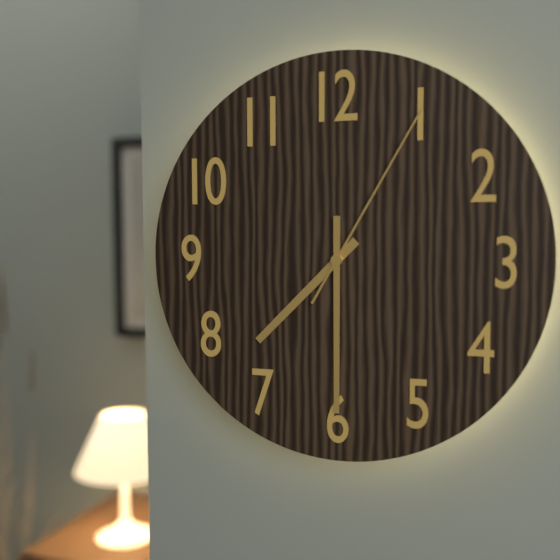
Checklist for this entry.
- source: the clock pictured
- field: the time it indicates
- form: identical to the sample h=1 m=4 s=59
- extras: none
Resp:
h=7 m=30 s=5
